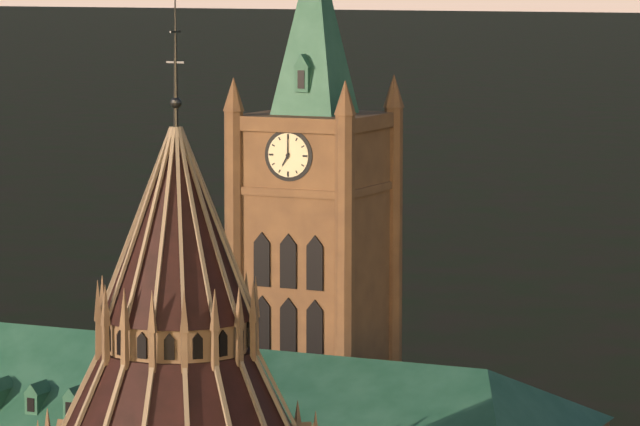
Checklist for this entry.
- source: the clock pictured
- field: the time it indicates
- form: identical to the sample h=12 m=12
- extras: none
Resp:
h=7 m=0
